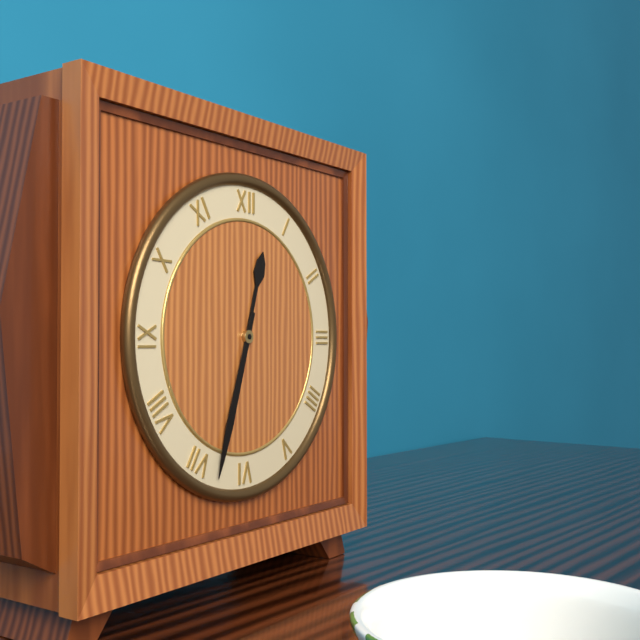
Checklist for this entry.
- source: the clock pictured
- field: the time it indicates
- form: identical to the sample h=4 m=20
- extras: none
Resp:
h=12 m=33
